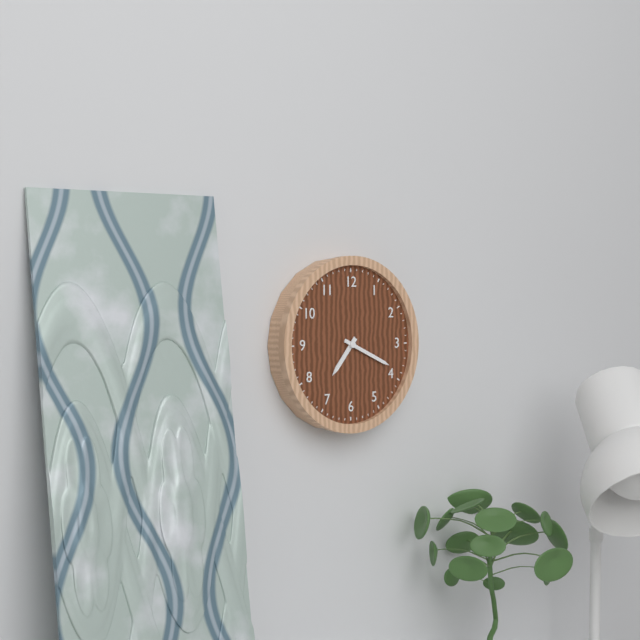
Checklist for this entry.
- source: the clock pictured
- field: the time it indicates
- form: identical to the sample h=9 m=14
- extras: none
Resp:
h=7 m=19
